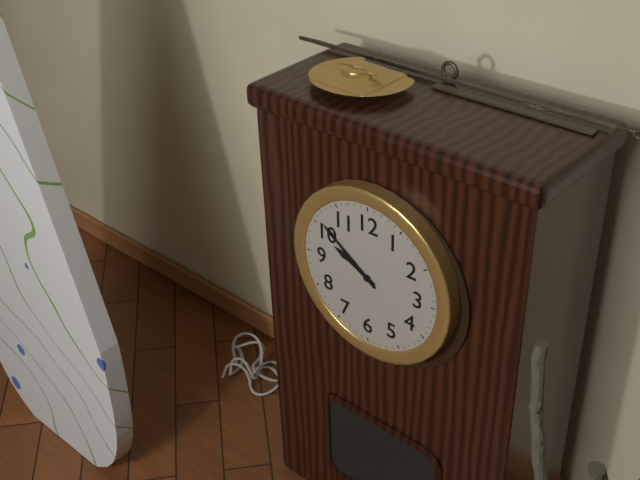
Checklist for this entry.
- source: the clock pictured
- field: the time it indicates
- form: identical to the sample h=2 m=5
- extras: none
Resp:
h=9 m=51
